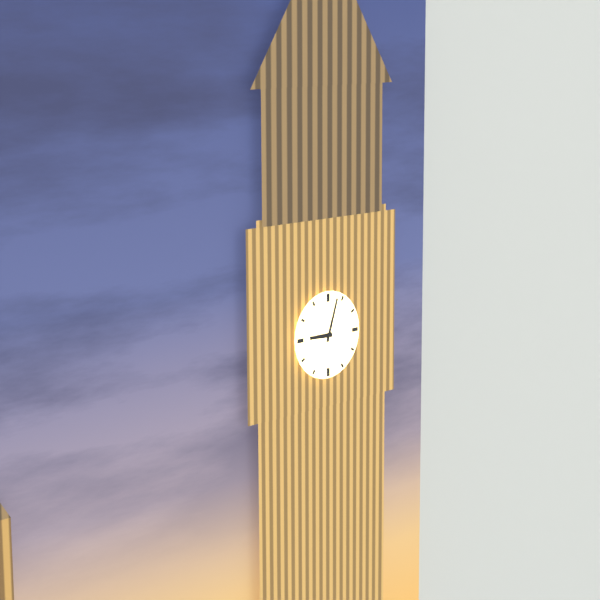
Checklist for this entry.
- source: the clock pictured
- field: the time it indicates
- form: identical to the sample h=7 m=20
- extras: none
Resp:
h=9 m=3
